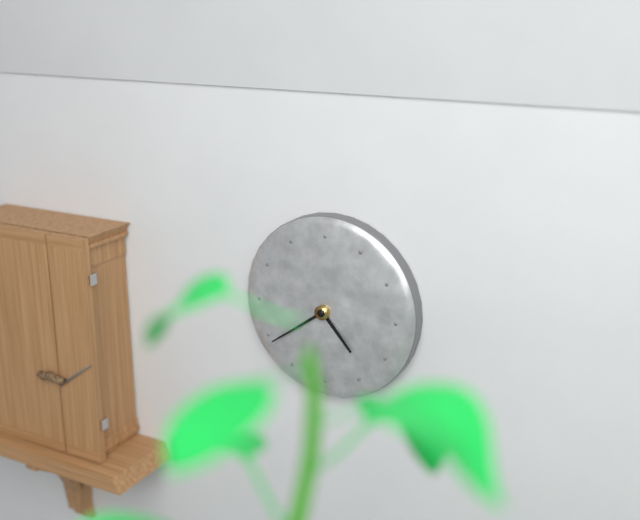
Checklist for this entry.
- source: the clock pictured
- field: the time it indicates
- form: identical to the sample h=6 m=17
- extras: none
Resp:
h=4 m=39
